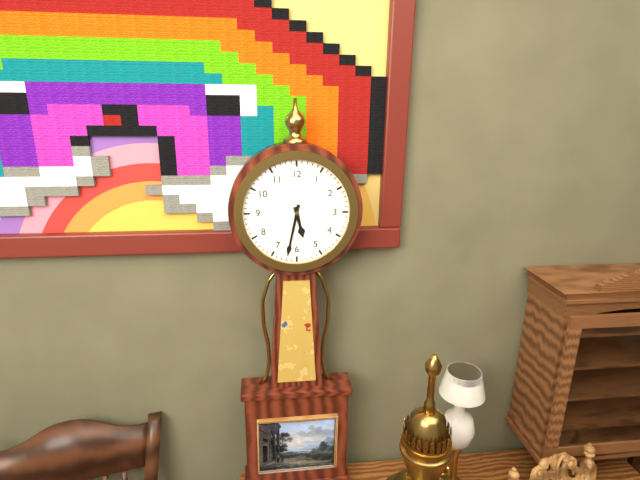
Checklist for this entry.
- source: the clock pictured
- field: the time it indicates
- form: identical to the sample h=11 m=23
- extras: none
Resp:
h=5 m=32
